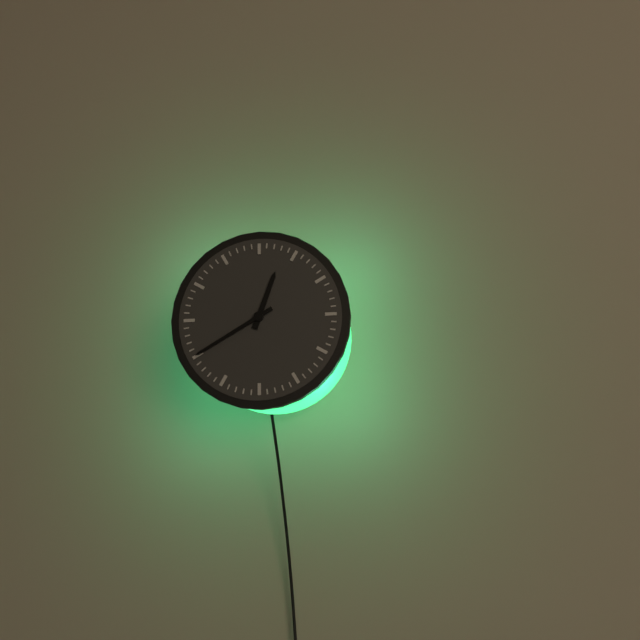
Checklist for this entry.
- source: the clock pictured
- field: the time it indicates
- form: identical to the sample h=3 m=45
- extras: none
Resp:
h=12 m=40
